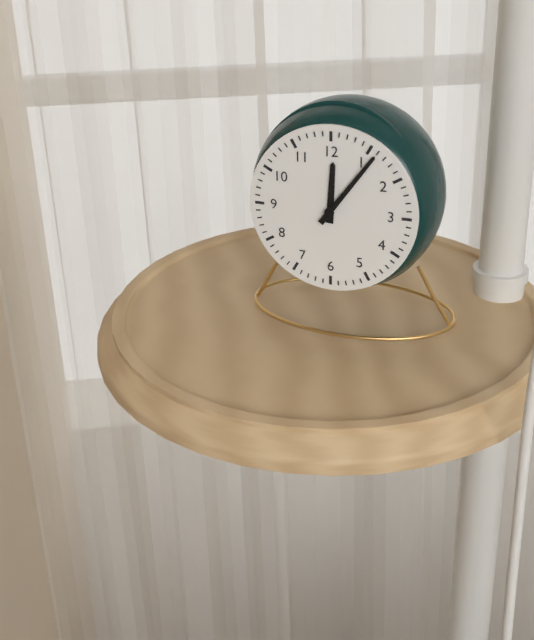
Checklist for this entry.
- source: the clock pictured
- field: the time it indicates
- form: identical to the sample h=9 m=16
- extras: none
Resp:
h=12 m=6
